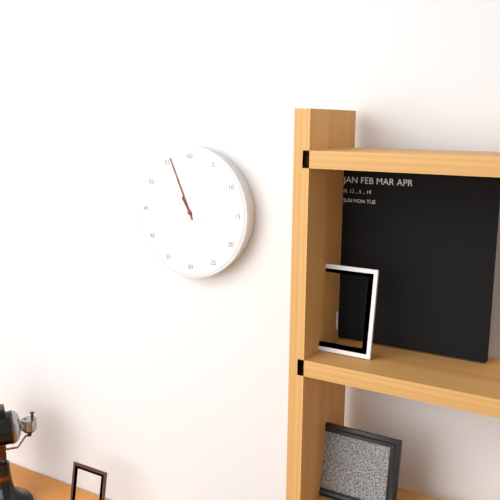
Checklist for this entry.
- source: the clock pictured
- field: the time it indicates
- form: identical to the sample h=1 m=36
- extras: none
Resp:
h=10 m=56
